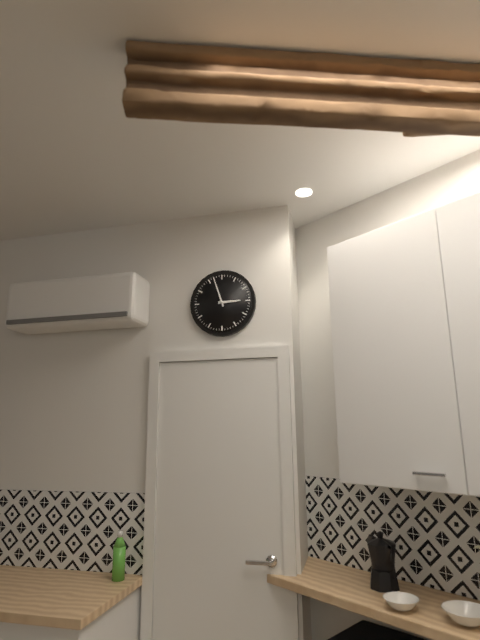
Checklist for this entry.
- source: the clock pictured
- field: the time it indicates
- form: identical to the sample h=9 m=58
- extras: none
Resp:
h=2 m=57
